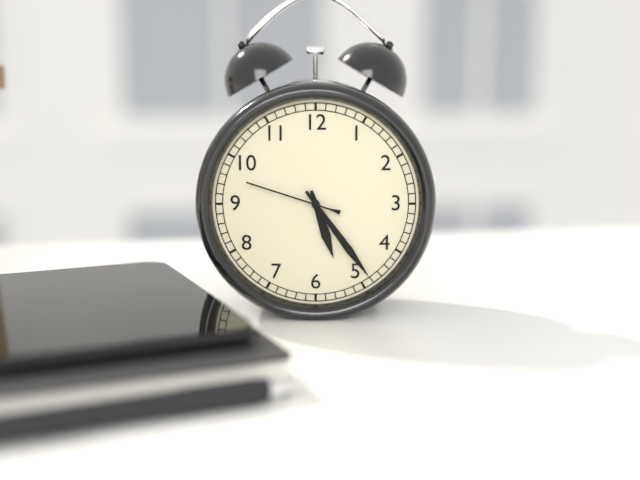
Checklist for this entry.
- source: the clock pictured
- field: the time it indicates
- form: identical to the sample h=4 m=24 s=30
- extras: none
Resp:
h=5 m=24 s=48
